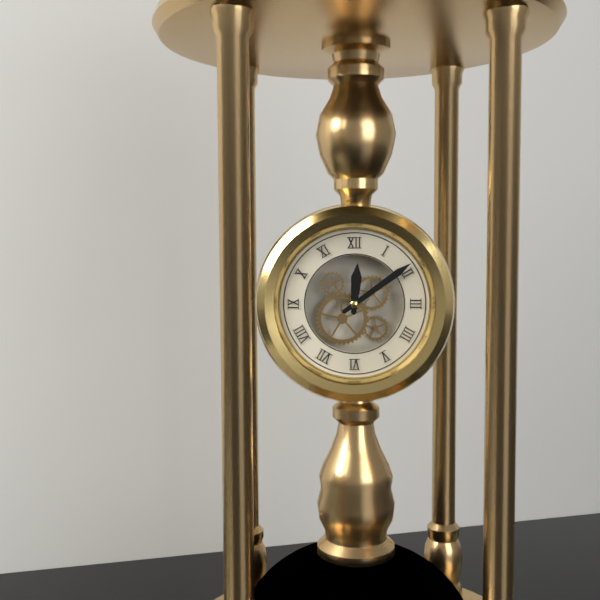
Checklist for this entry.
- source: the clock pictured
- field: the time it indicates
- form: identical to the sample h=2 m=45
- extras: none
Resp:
h=12 m=9
